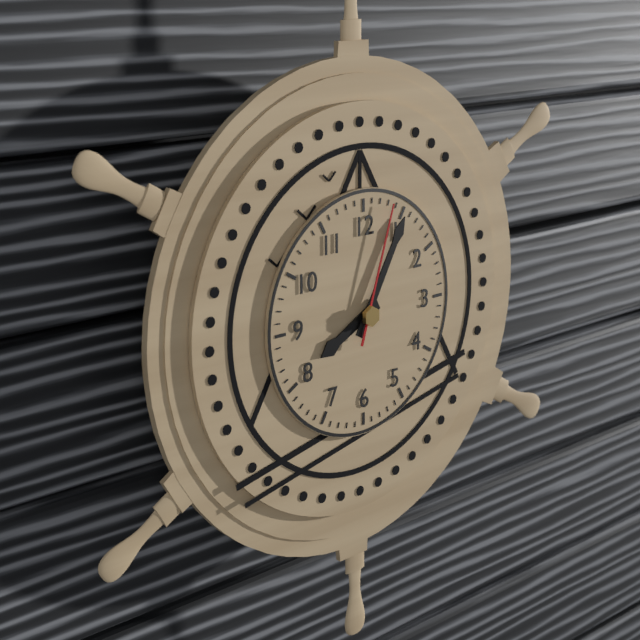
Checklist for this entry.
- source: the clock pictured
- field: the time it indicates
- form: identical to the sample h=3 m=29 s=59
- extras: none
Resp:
h=8 m=5 s=3
